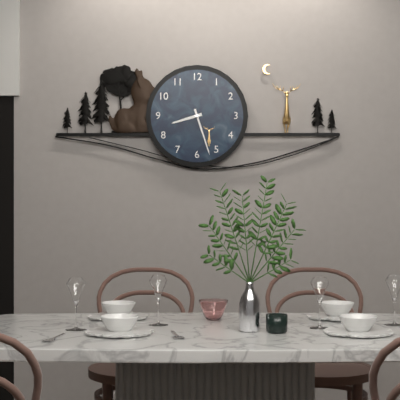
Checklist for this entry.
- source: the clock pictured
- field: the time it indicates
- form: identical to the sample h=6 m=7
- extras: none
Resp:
h=8 m=27
